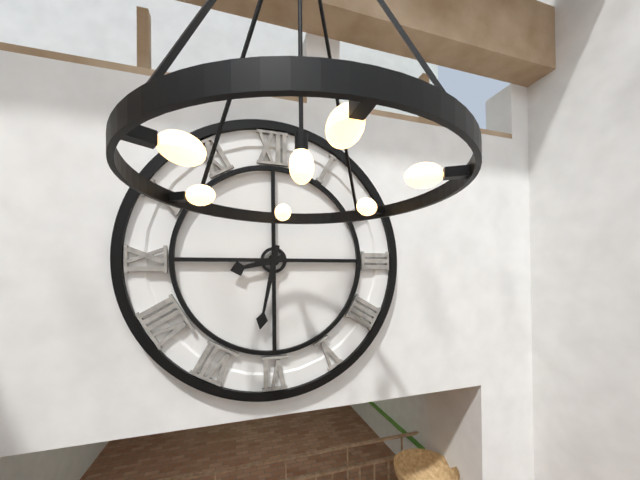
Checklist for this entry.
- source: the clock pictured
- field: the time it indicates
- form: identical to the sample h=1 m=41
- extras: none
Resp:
h=8 m=32
